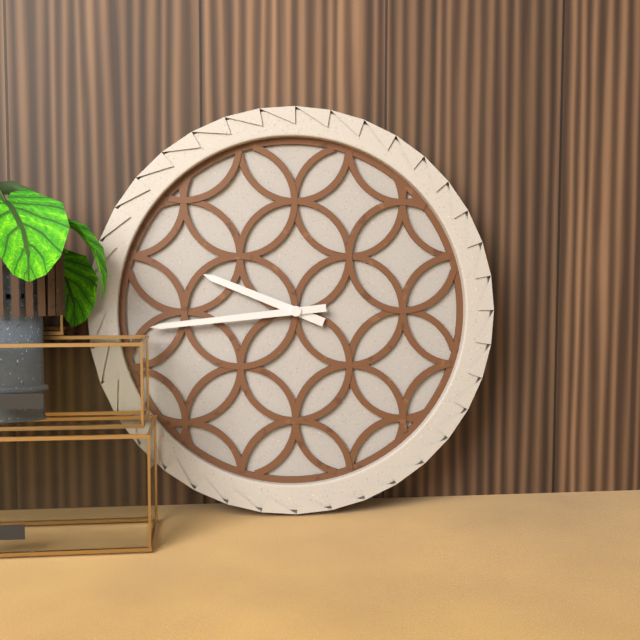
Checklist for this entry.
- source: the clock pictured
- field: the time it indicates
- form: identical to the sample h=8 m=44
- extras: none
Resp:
h=9 m=44
